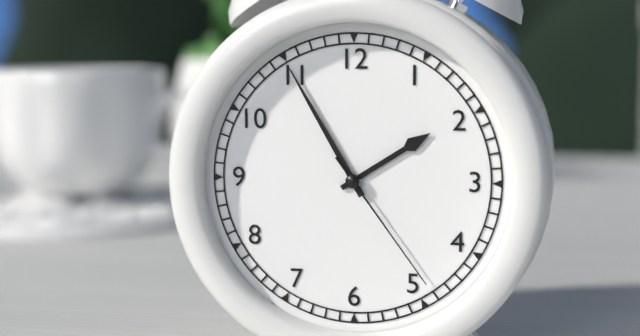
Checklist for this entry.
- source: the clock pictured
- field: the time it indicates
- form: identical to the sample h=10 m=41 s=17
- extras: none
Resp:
h=1 m=55 s=24
